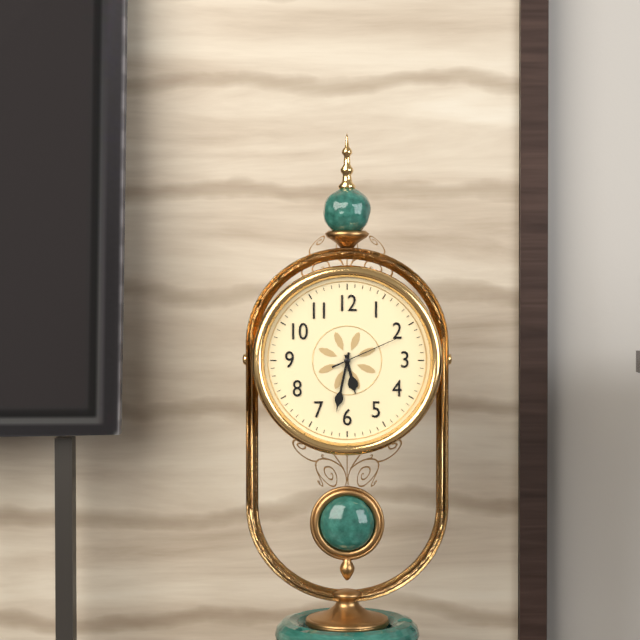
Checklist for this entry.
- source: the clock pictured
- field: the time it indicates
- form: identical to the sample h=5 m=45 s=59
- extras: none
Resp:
h=5 m=32 s=11
